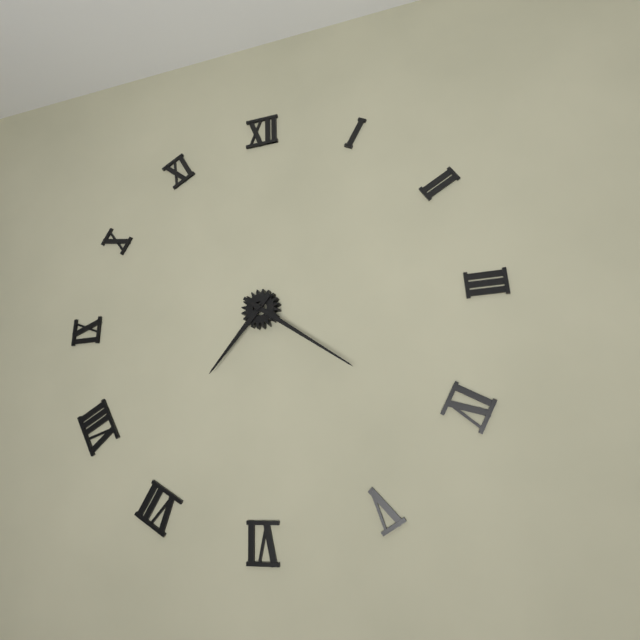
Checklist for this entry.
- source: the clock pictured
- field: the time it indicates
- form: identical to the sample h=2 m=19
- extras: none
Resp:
h=7 m=21
